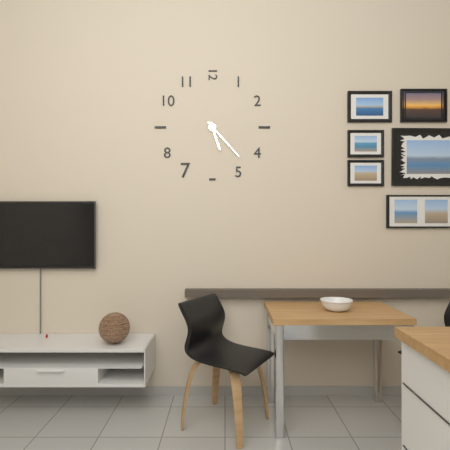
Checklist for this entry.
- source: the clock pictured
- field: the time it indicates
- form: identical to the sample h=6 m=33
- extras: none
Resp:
h=5 m=23
